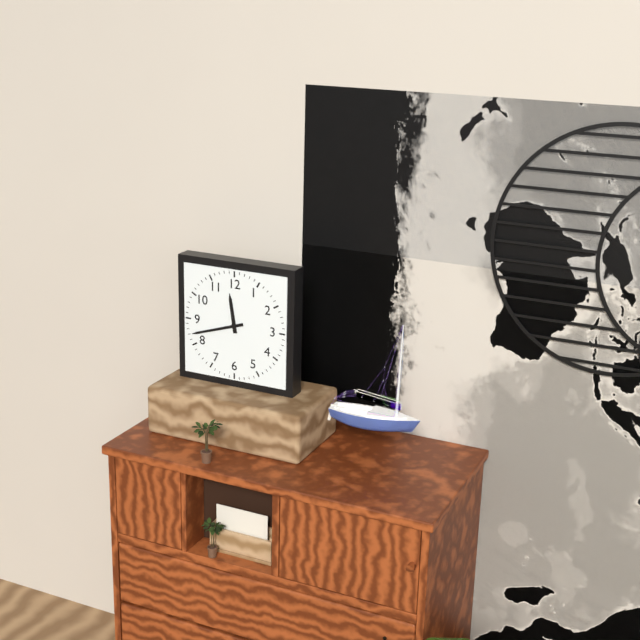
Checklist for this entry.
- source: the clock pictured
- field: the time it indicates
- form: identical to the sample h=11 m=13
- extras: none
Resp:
h=11 m=42
